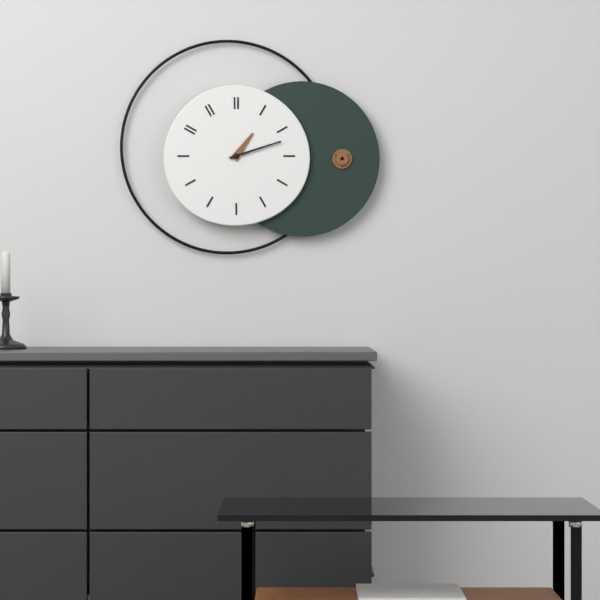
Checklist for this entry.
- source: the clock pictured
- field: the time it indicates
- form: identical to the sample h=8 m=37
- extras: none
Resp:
h=1 m=12
